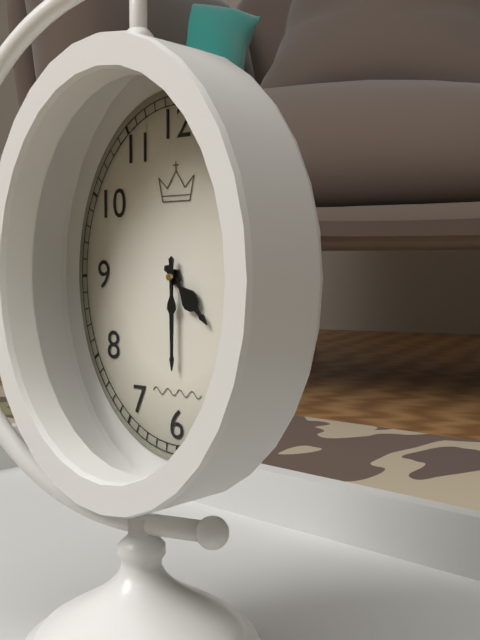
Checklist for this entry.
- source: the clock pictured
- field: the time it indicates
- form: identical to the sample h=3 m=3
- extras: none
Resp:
h=4 m=30
